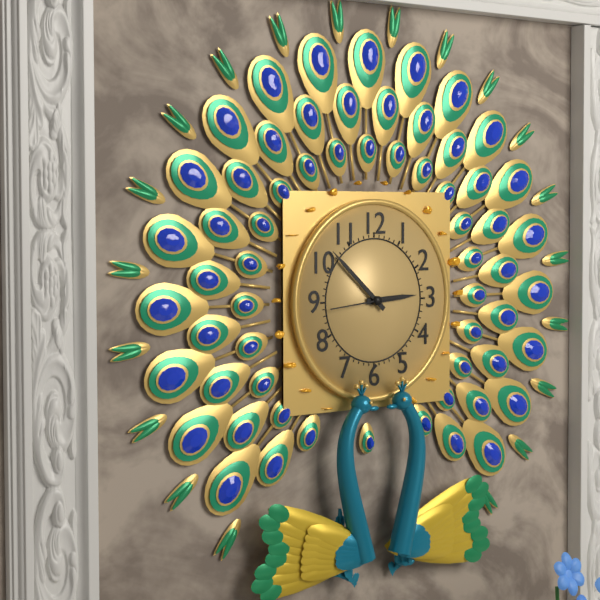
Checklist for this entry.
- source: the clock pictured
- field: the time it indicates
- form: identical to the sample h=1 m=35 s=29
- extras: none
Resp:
h=2 m=52 s=44
